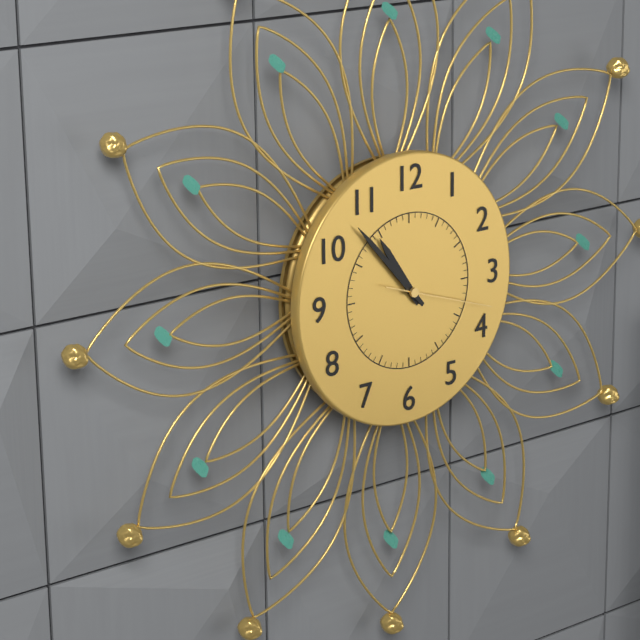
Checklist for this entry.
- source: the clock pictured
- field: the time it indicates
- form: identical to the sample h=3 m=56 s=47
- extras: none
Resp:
h=10 m=53 s=18
